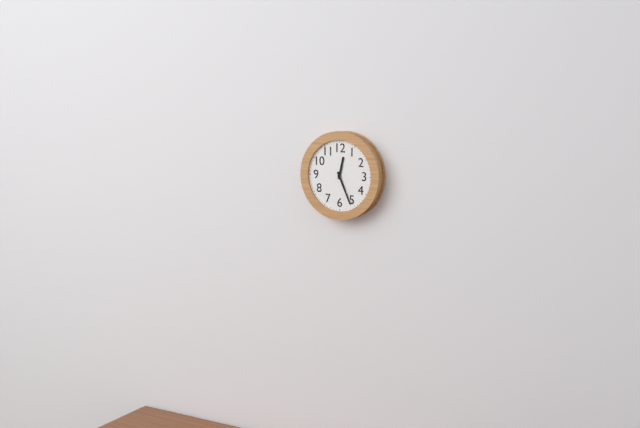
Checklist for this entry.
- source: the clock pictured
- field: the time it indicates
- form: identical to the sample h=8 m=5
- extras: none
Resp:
h=12 m=26
